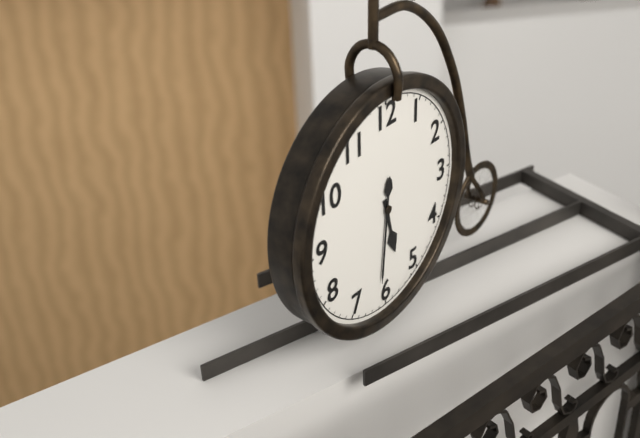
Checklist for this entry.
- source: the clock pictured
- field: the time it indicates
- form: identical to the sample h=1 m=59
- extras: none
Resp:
h=5 m=31
